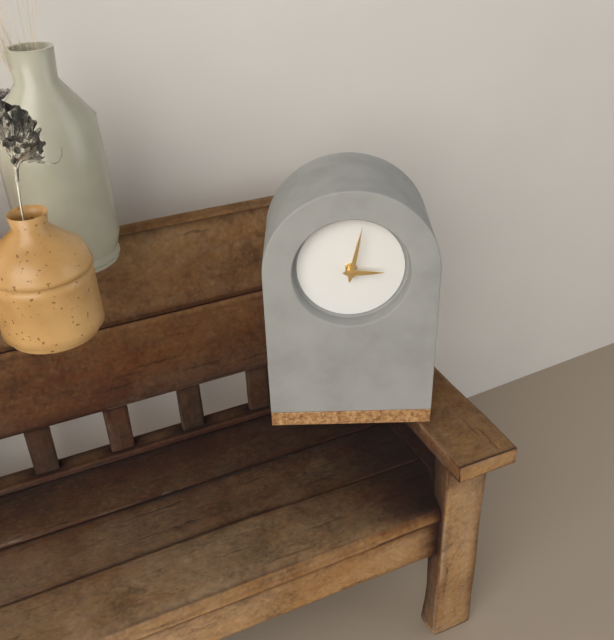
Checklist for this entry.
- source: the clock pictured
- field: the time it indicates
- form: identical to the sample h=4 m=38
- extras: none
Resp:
h=3 m=2
